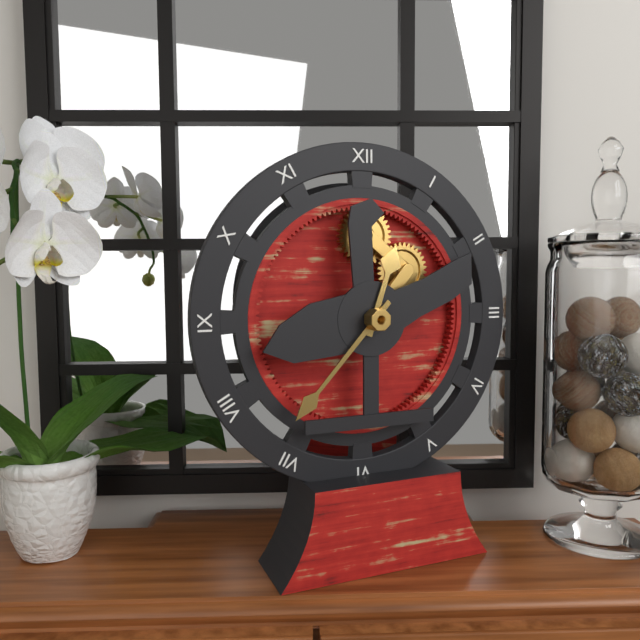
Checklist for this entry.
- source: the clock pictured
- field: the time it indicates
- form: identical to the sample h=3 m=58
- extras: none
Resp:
h=12 m=37
